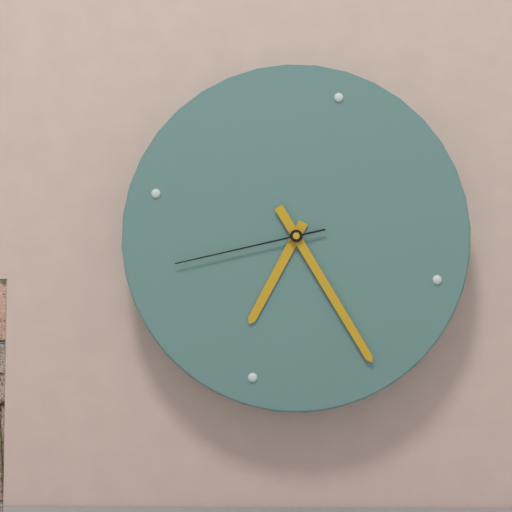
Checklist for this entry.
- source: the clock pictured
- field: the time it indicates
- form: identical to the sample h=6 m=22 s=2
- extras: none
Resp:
h=6 m=22 s=40
